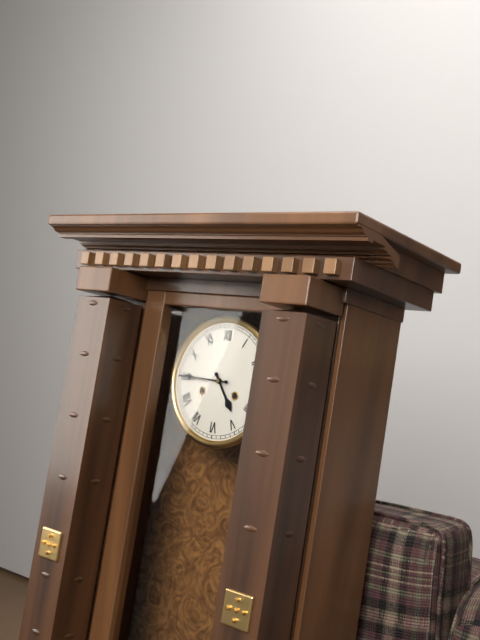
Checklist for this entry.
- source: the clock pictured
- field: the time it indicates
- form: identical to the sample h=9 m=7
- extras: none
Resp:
h=4 m=45
